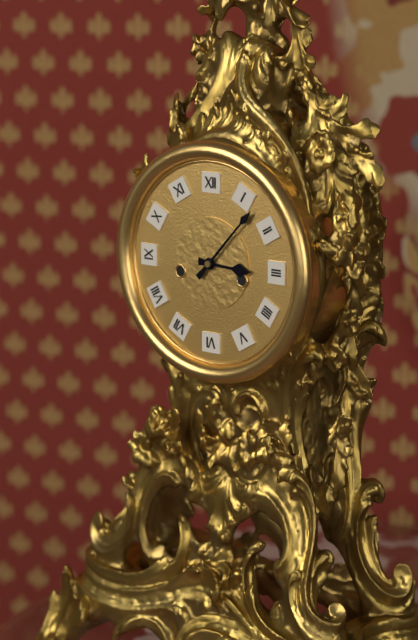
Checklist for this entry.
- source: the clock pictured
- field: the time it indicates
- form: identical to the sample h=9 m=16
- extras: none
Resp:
h=3 m=7
